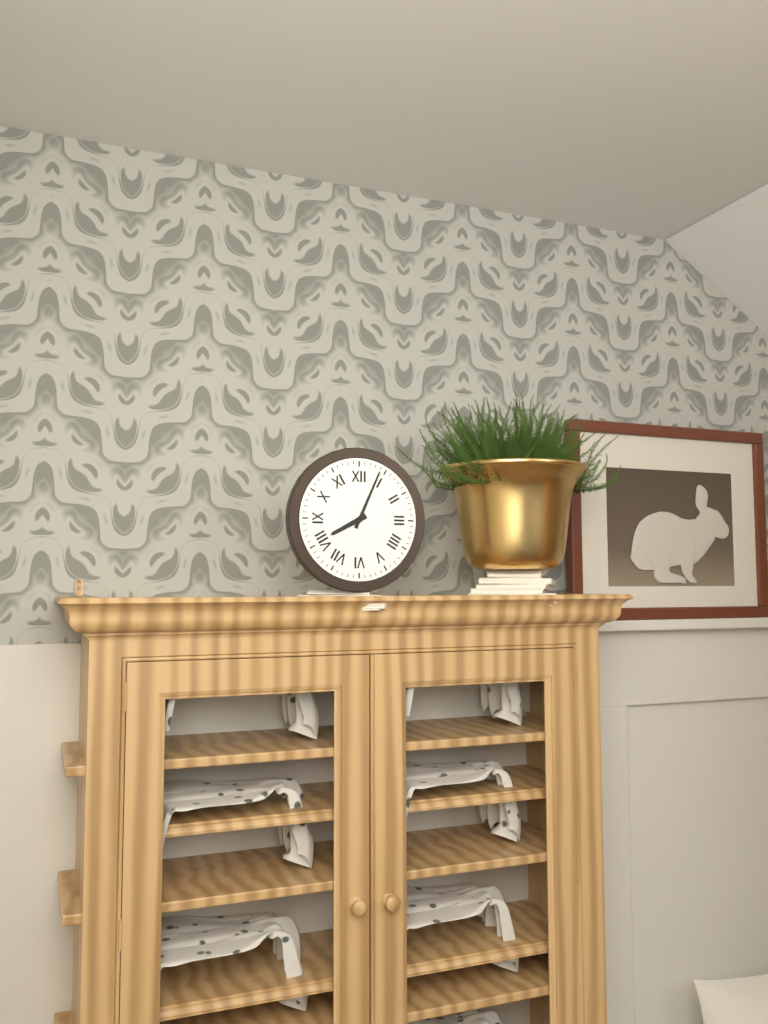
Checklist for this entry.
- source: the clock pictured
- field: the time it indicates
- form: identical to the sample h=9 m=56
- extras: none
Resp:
h=8 m=4
